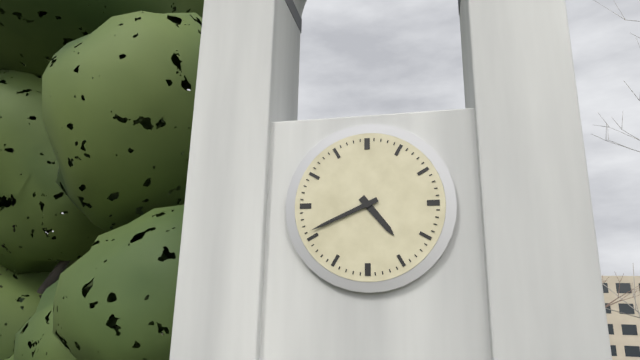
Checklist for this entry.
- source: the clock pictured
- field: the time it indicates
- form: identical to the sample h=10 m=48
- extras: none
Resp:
h=4 m=41
